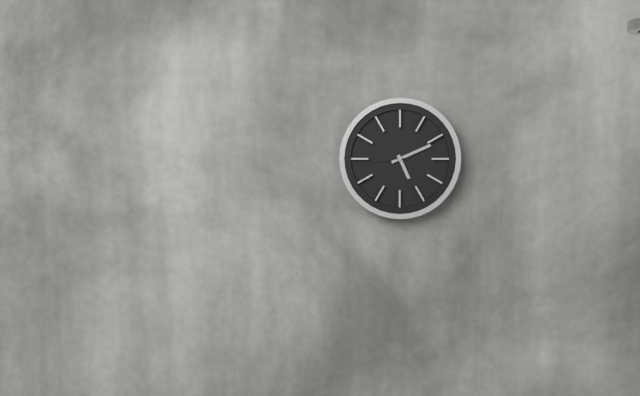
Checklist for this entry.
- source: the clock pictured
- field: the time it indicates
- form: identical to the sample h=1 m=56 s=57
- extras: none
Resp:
h=5 m=11 s=44
